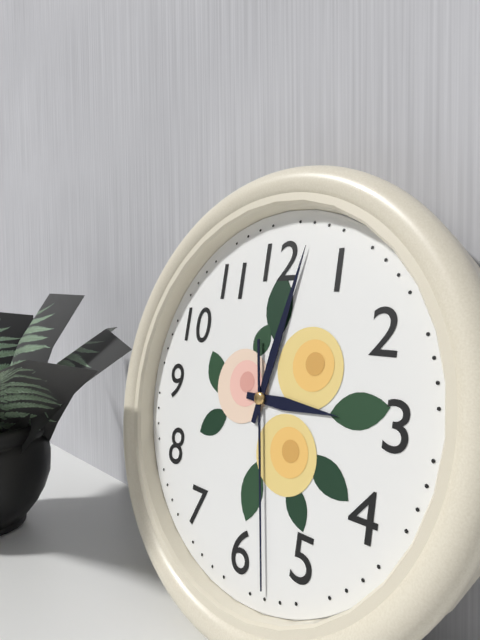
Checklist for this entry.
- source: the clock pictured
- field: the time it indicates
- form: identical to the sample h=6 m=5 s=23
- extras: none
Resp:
h=3 m=2 s=28
